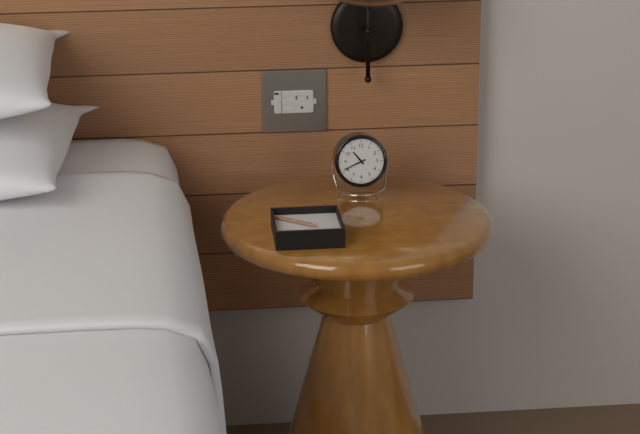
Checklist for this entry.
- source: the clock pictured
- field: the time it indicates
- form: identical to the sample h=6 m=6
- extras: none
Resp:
h=10 m=41
